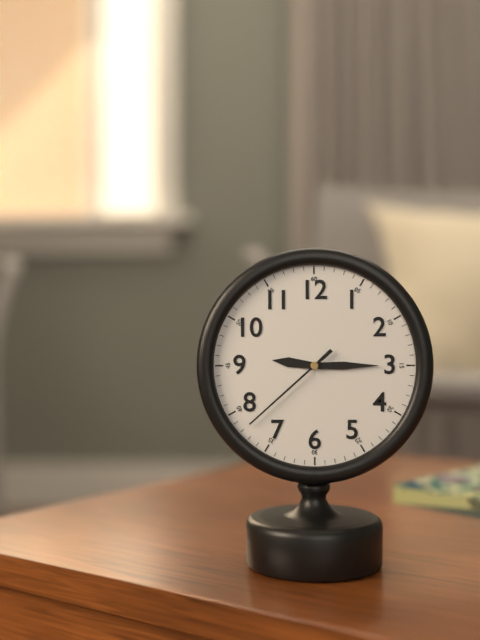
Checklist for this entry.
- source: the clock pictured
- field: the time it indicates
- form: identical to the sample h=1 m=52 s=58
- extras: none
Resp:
h=9 m=15 s=38
